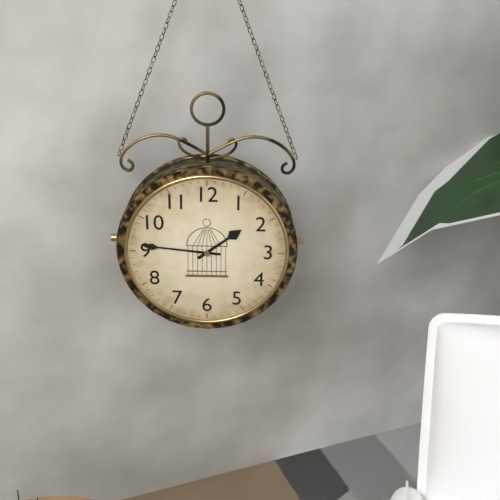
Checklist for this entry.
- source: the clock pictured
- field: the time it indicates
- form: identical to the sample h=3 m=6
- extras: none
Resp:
h=1 m=46
